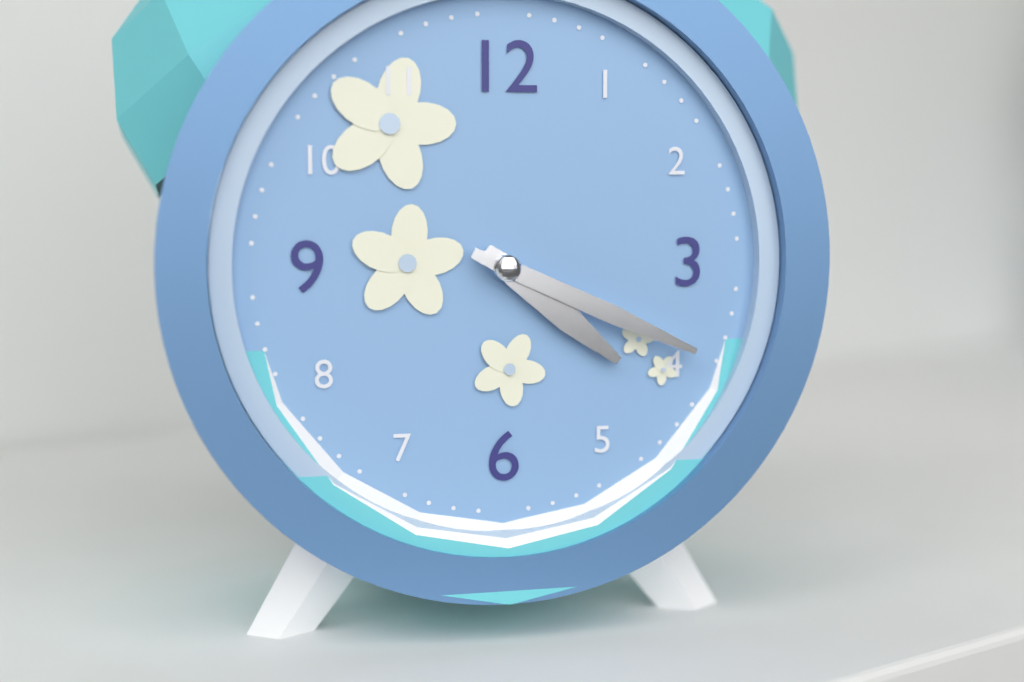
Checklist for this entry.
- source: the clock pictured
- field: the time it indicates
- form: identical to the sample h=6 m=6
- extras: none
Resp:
h=4 m=19
